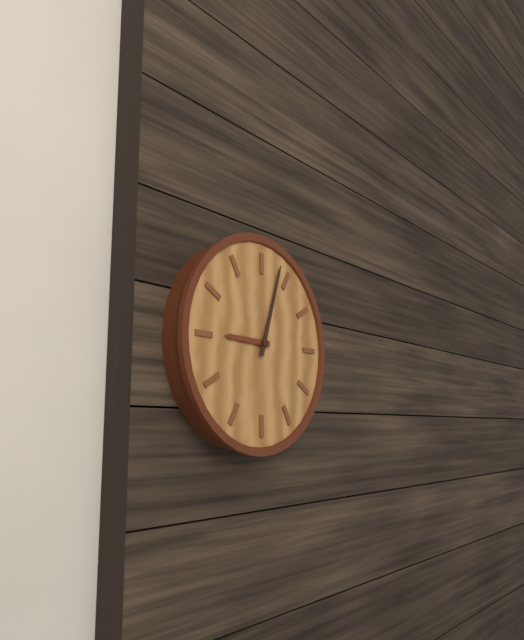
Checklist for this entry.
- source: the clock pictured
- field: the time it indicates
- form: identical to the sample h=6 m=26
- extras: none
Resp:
h=9 m=3
